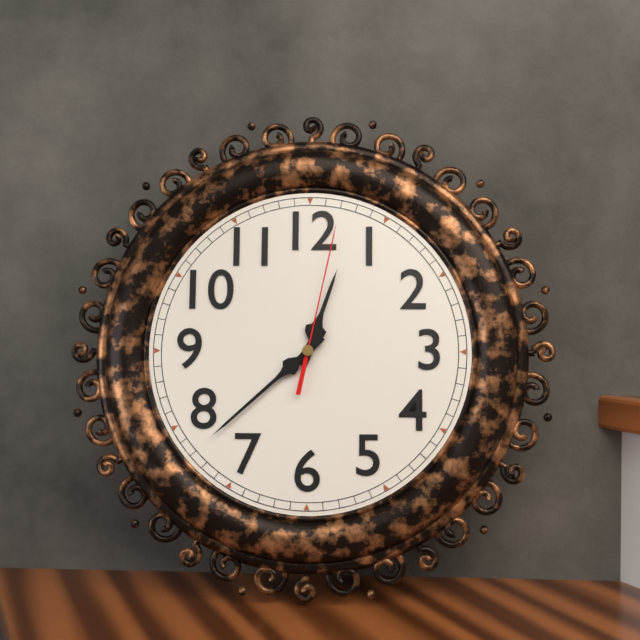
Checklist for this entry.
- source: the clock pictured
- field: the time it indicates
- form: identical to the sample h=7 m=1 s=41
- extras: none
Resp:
h=12 m=38 s=2
